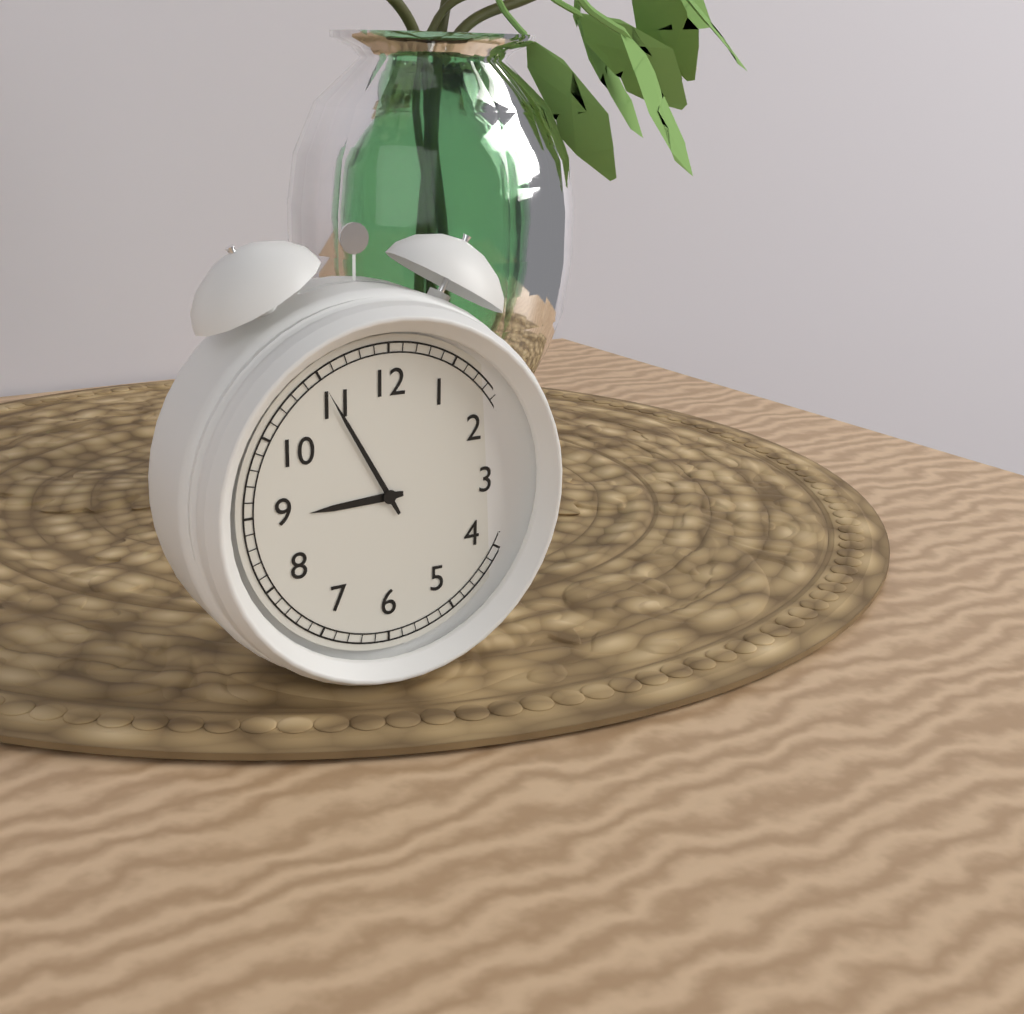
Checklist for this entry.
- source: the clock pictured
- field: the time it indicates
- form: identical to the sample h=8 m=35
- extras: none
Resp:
h=8 m=55
